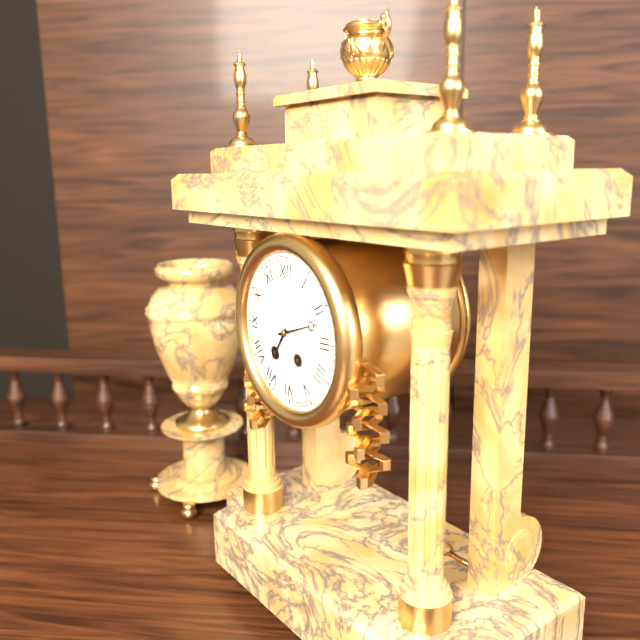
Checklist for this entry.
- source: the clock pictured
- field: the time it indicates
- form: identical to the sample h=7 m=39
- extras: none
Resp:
h=7 m=12
